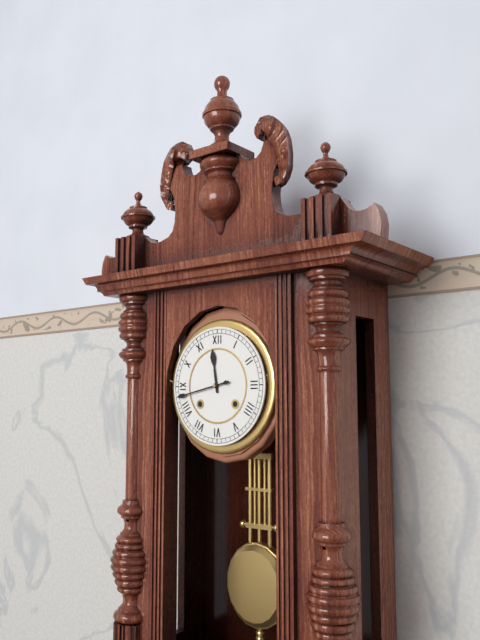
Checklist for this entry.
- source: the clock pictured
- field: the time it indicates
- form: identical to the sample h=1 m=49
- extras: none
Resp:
h=11 m=43
